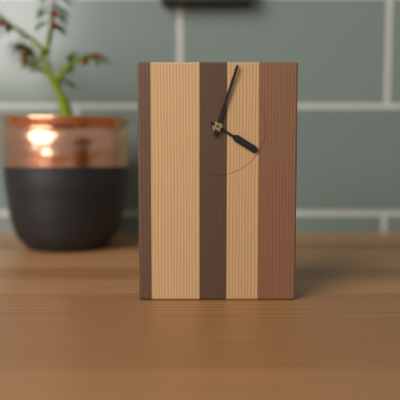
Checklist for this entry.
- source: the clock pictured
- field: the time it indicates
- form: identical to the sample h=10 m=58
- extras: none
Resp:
h=4 m=3
